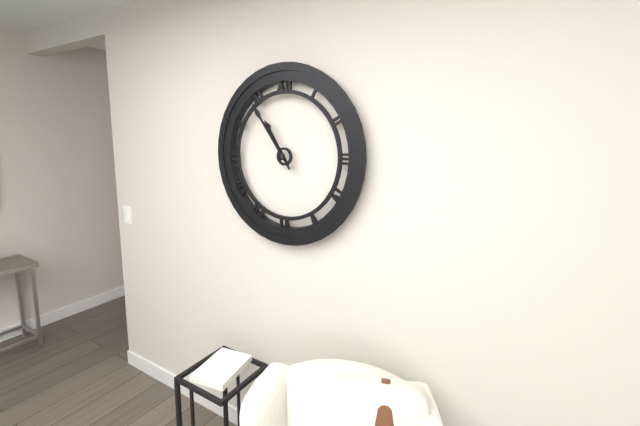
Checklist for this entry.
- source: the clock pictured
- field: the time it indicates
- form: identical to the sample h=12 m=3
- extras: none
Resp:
h=10 m=54
